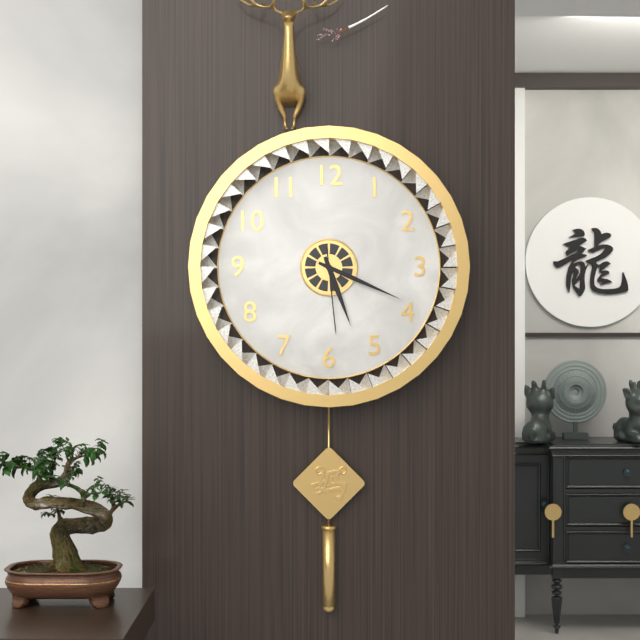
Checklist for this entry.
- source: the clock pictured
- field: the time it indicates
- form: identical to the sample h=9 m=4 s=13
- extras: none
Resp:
h=5 m=19 s=29
